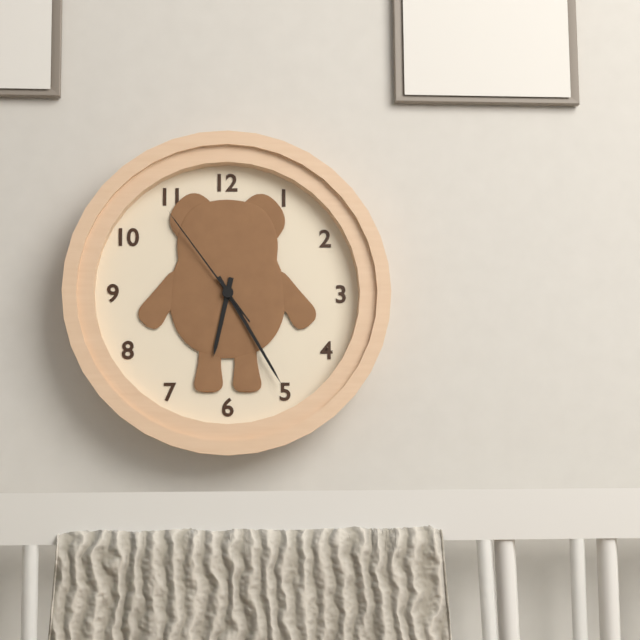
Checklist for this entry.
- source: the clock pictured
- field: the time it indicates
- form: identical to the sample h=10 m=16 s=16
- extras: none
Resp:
h=6 m=25 s=54
